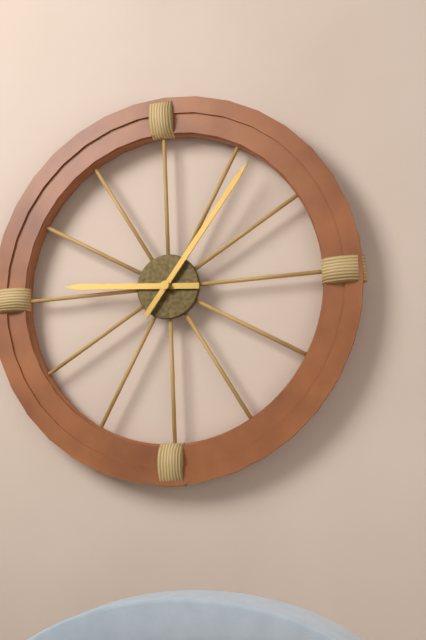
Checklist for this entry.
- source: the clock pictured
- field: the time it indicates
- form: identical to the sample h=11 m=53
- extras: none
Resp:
h=9 m=6
